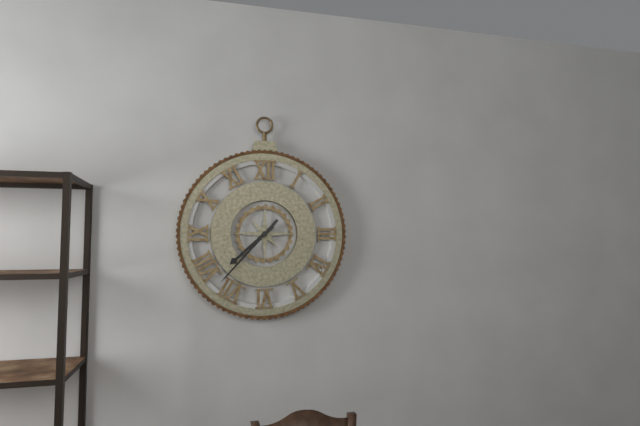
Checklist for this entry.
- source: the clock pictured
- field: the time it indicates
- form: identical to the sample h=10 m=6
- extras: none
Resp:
h=7 m=37
